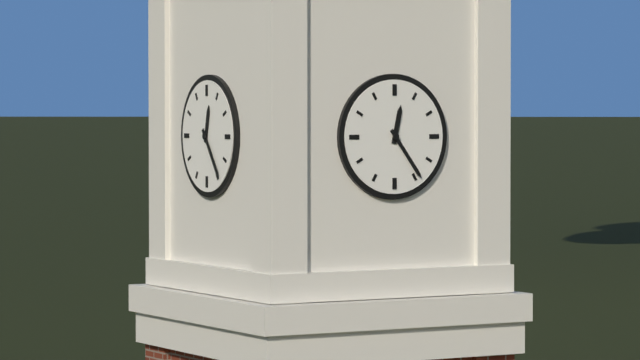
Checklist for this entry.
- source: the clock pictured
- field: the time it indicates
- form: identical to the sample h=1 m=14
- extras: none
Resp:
h=12 m=24
